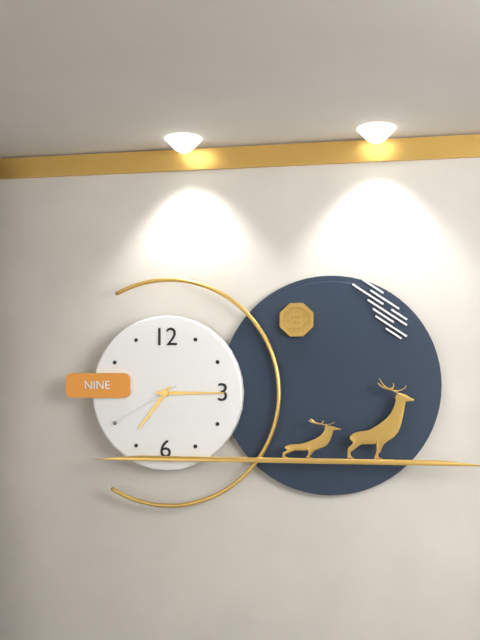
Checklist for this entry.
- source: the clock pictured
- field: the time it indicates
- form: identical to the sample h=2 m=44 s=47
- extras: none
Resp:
h=7 m=15 s=40
